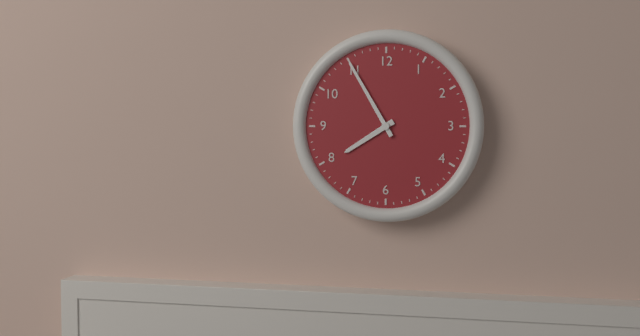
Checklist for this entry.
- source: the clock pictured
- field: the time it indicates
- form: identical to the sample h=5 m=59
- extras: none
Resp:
h=7 m=55
